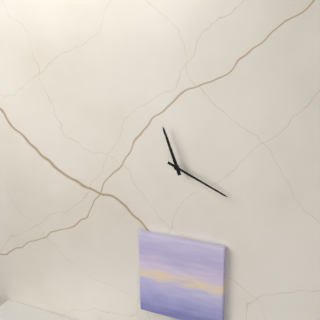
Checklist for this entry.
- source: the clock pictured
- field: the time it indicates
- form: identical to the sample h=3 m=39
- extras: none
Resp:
h=11 m=19
